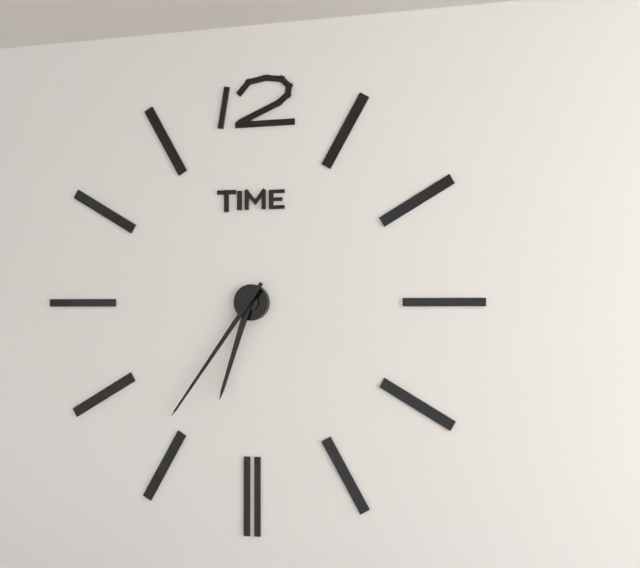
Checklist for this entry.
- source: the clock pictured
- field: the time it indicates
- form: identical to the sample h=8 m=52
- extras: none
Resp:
h=6 m=36
